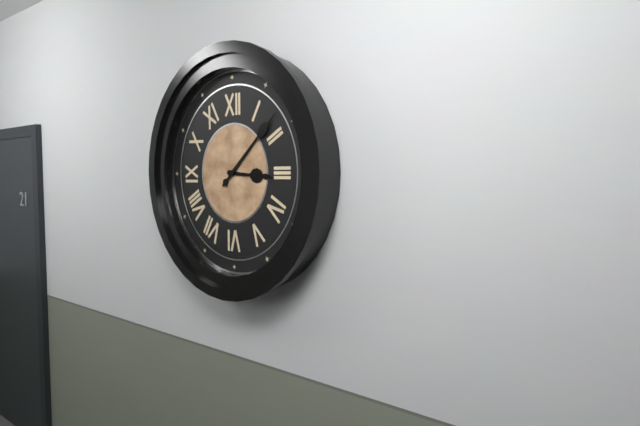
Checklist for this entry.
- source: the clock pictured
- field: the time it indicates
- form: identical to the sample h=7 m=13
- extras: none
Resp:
h=3 m=8
